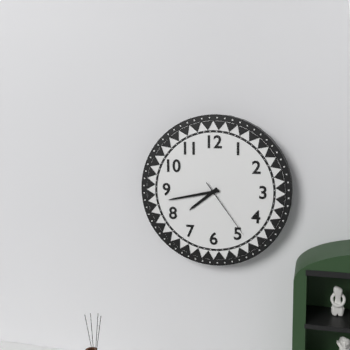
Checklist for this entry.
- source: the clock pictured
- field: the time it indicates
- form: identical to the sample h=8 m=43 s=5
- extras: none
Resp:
h=7 m=43 s=24
